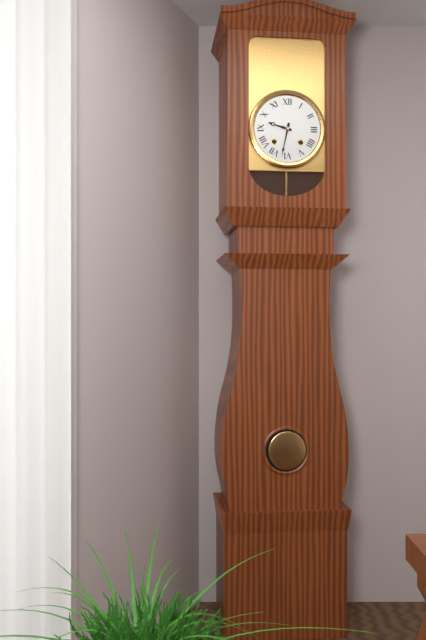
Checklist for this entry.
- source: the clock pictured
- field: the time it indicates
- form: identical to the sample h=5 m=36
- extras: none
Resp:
h=9 m=32
